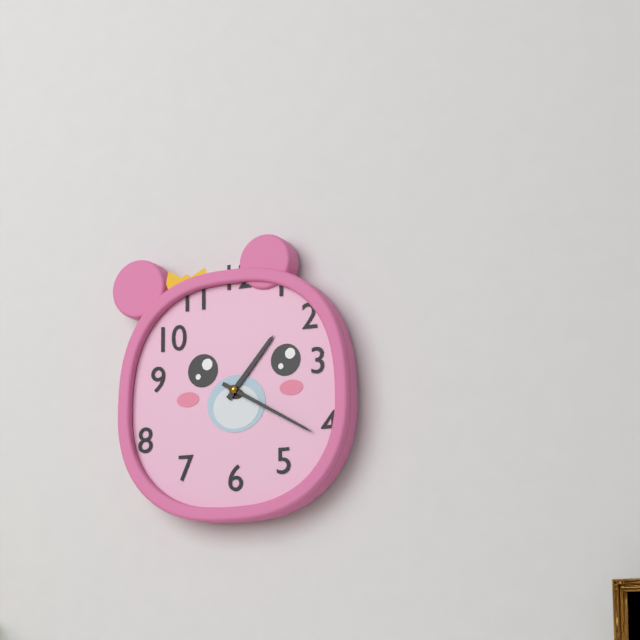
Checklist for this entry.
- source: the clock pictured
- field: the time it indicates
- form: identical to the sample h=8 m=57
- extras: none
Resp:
h=1 m=20
